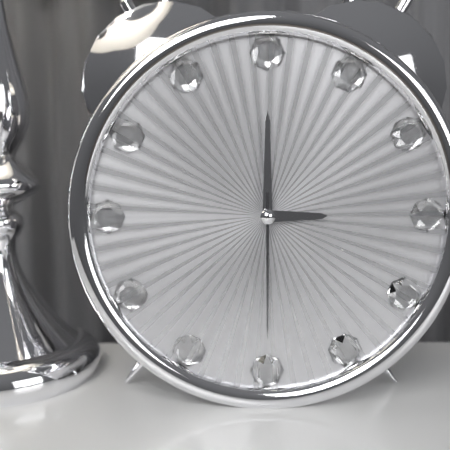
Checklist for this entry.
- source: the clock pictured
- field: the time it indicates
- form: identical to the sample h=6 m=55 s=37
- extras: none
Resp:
h=3 m=0 s=30
